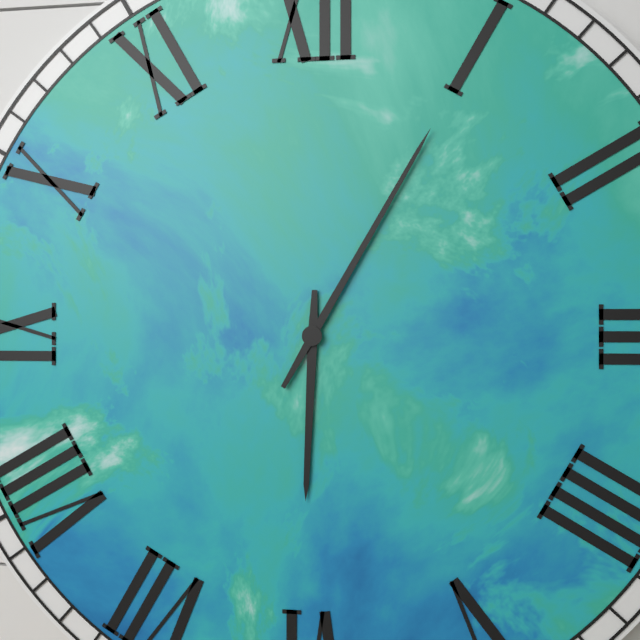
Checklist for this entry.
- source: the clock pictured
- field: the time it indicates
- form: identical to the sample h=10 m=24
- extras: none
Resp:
h=6 m=5
